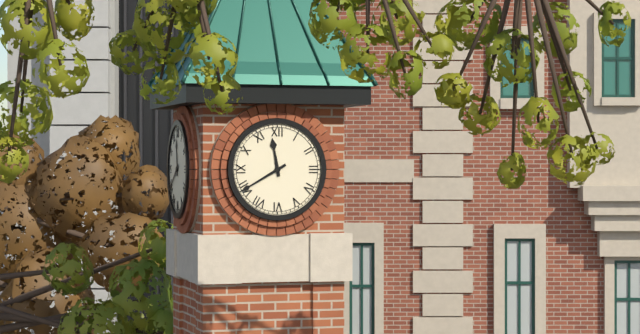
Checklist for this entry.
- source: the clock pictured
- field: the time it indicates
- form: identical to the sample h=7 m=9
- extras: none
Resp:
h=11 m=40
